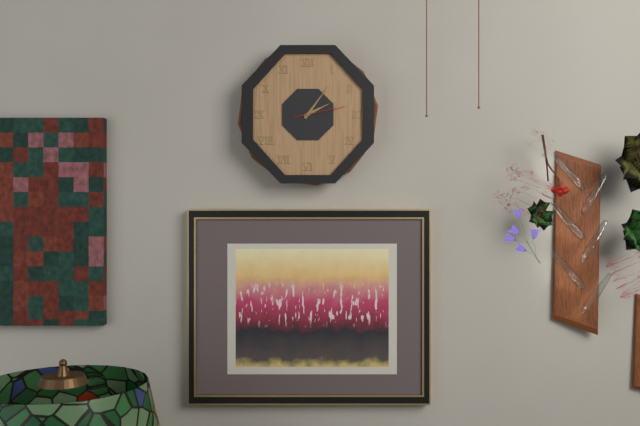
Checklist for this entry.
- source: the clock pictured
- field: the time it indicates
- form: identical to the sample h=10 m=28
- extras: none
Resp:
h=2 m=6
